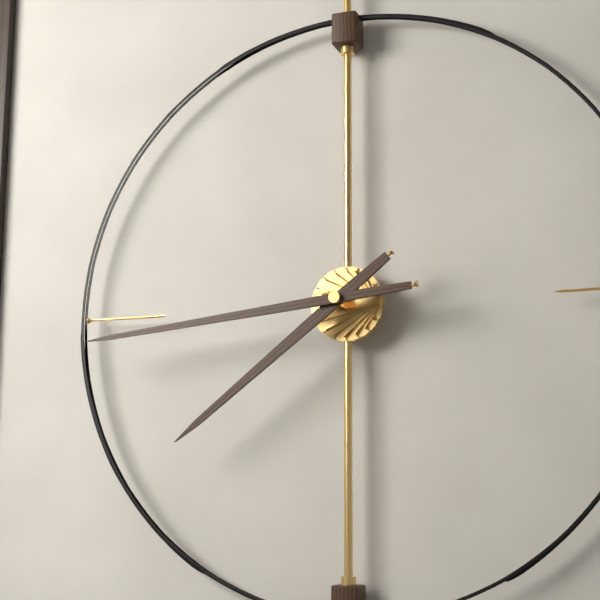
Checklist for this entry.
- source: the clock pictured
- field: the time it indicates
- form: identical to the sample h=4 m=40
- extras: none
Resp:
h=7 m=44
